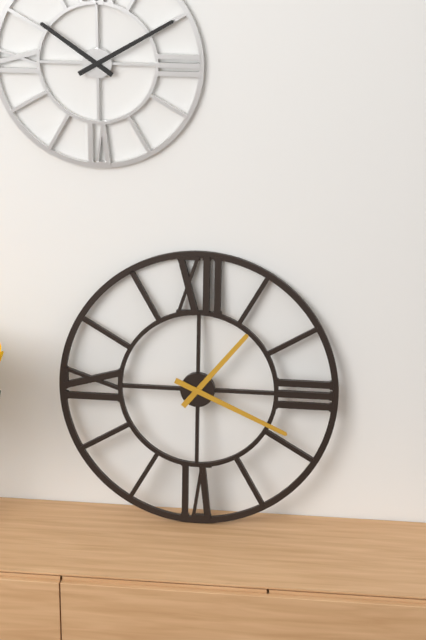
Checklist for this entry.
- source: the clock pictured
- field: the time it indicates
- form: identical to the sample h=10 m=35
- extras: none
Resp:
h=1 m=19
